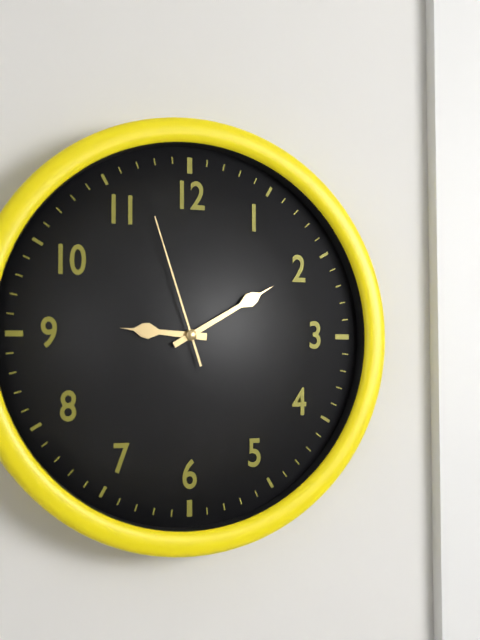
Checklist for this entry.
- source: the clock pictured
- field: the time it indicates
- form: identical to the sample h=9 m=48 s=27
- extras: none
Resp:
h=9 m=10 s=57
